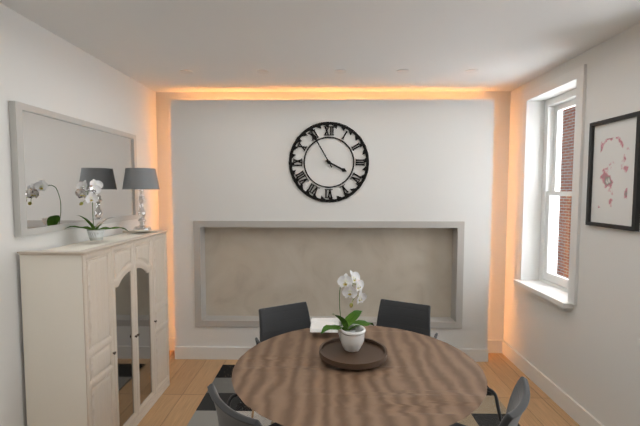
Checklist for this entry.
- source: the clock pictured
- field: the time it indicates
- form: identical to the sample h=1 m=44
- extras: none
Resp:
h=3 m=55
